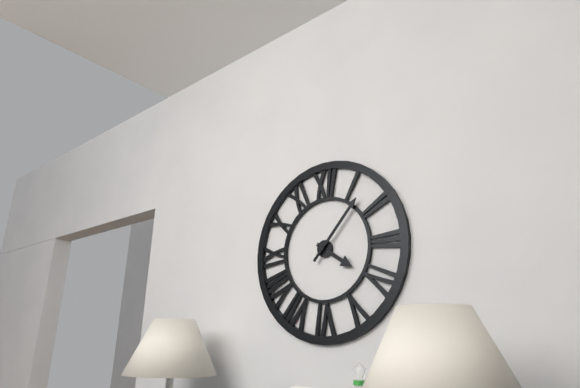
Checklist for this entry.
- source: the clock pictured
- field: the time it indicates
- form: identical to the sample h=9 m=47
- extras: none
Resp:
h=4 m=7
